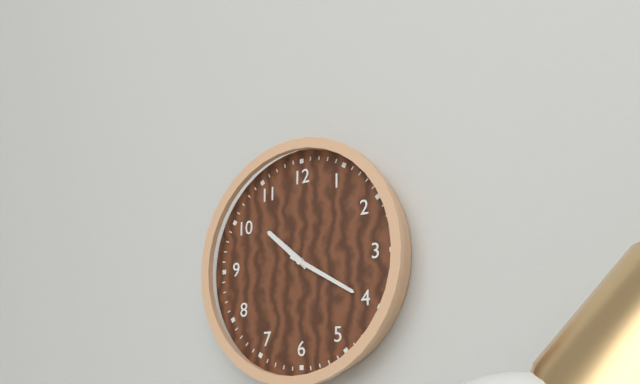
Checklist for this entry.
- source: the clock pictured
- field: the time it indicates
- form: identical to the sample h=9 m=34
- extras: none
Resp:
h=10 m=20
